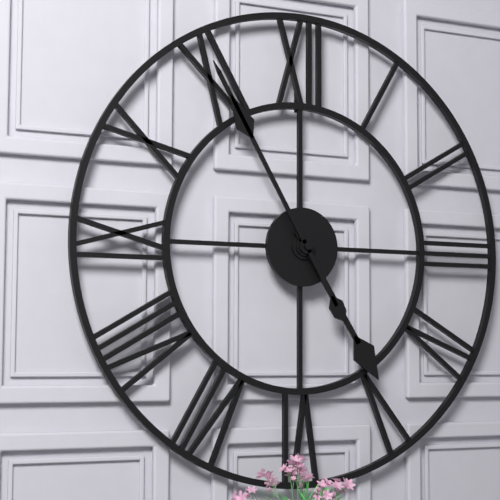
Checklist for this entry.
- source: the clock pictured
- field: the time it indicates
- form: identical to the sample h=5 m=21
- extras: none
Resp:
h=4 m=55
